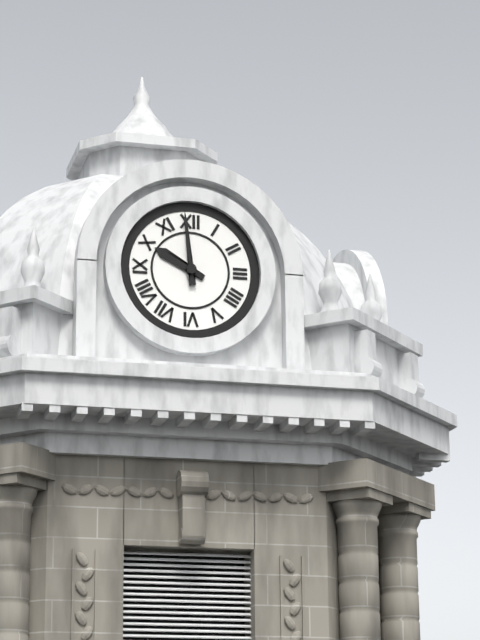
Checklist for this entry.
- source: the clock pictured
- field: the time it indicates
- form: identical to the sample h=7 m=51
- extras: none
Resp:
h=9 m=59
